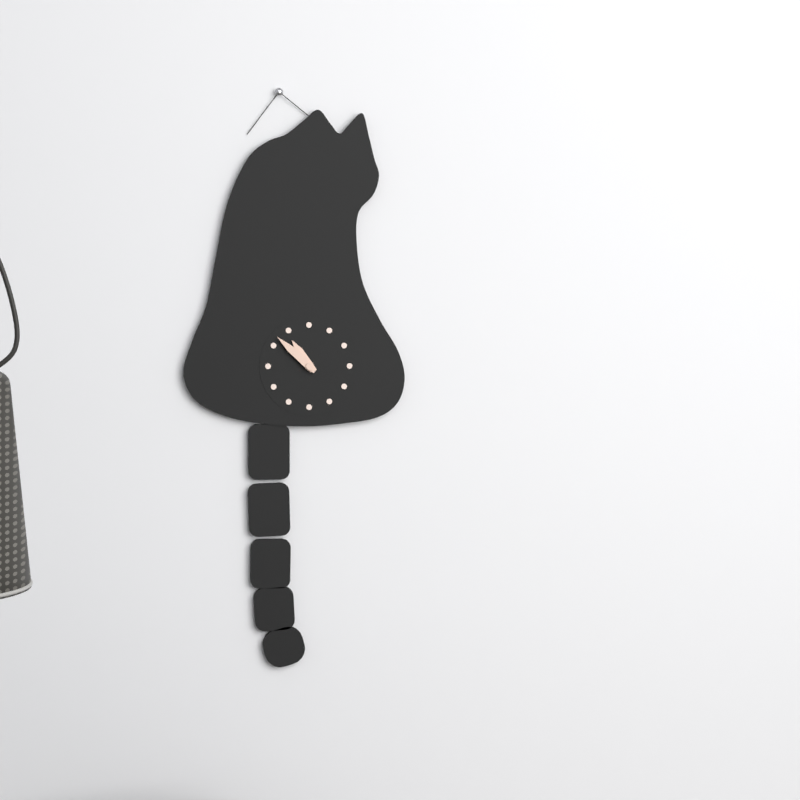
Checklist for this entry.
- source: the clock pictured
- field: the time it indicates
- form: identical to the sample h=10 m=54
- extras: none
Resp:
h=10 m=52
